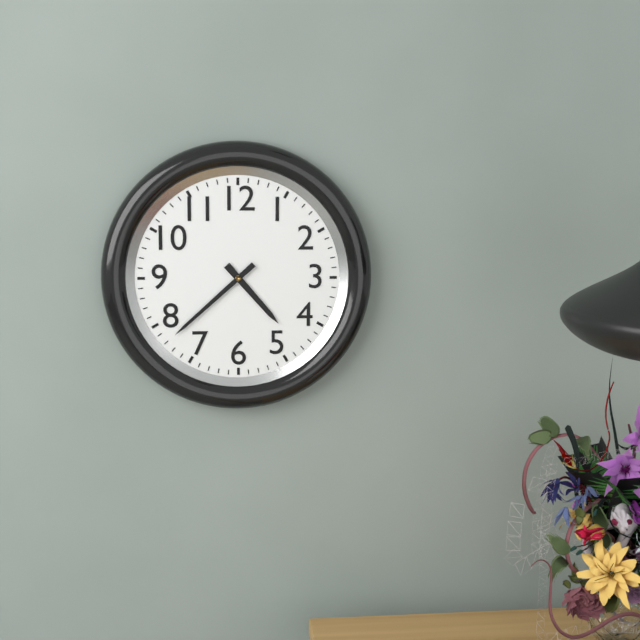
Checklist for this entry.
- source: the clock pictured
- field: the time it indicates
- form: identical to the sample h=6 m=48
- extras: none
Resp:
h=4 m=38
